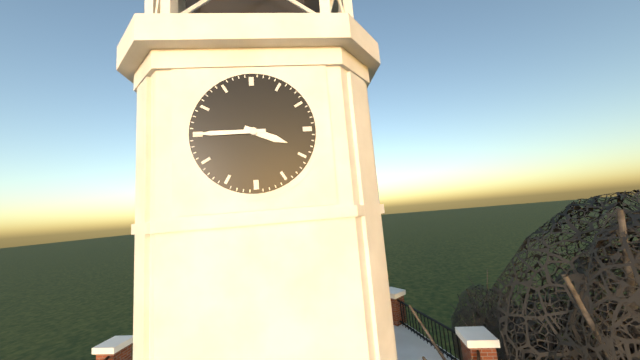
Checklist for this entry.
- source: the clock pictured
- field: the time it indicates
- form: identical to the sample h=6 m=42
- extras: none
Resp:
h=3 m=45
